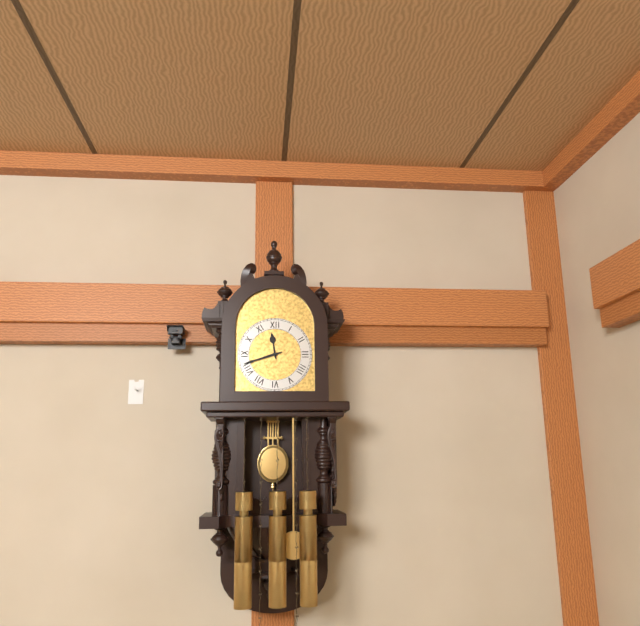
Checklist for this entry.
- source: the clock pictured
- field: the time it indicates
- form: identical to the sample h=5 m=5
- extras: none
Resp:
h=11 m=42
